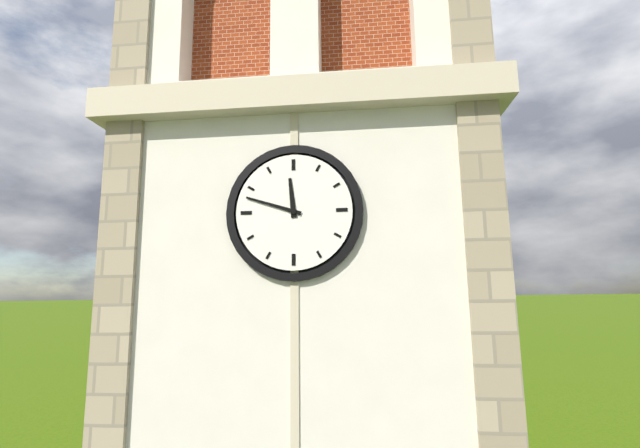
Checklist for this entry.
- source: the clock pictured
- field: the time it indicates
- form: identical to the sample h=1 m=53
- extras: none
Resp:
h=11 m=48
